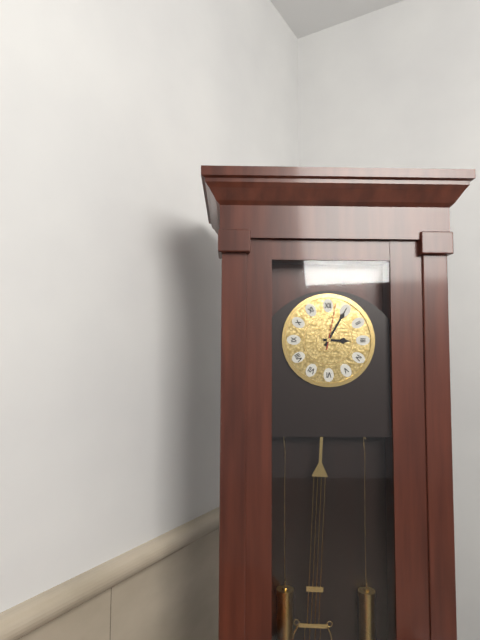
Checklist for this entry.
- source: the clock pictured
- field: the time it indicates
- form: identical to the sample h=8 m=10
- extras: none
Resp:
h=3 m=5
